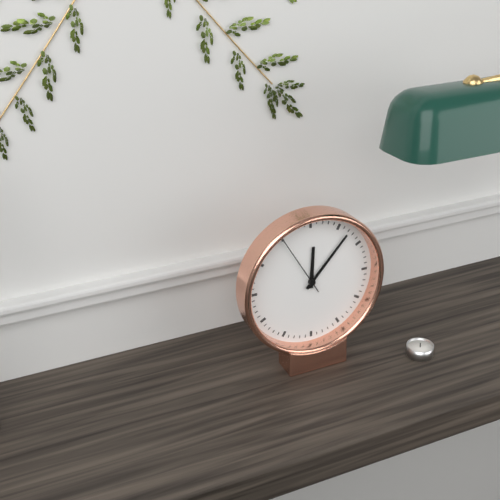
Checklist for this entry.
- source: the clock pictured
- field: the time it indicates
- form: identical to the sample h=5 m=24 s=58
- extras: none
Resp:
h=12 m=7 s=55
